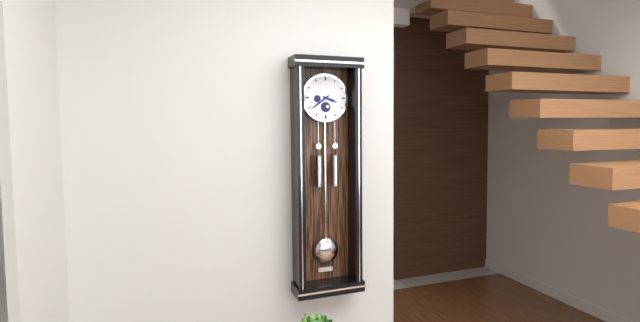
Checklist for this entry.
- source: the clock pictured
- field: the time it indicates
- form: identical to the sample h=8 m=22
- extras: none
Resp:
h=3 m=39
